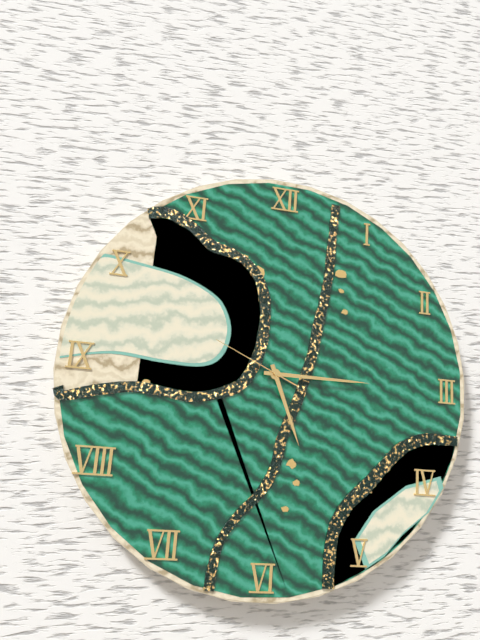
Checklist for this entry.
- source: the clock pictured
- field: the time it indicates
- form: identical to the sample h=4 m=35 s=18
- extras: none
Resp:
h=5 m=15 s=49
